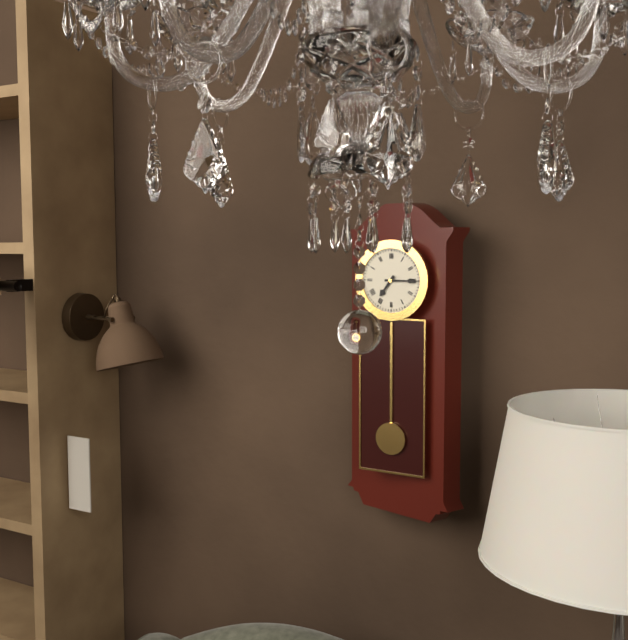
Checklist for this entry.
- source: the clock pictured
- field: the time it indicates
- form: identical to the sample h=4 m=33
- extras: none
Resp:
h=7 m=15
